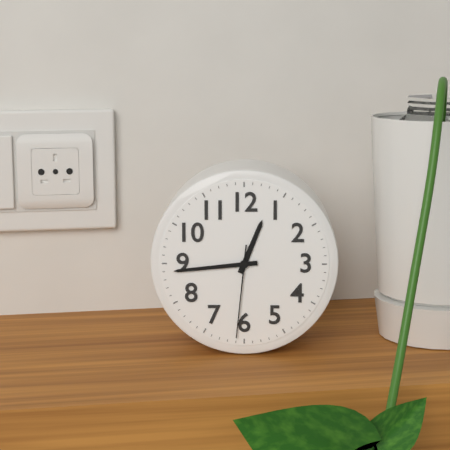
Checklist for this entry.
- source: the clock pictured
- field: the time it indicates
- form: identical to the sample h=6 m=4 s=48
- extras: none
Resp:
h=12 m=44 s=31
